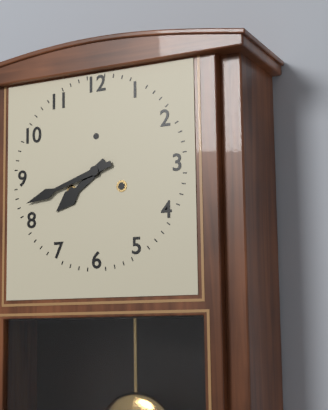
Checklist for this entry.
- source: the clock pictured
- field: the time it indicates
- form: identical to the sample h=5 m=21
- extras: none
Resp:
h=7 m=42
